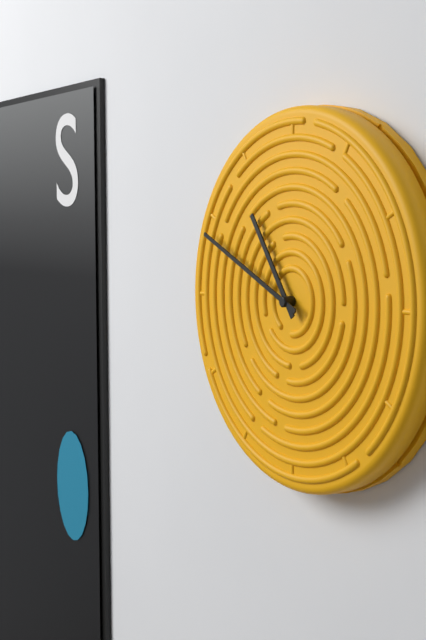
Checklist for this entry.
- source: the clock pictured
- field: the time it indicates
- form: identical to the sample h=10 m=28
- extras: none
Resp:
h=10 m=49
